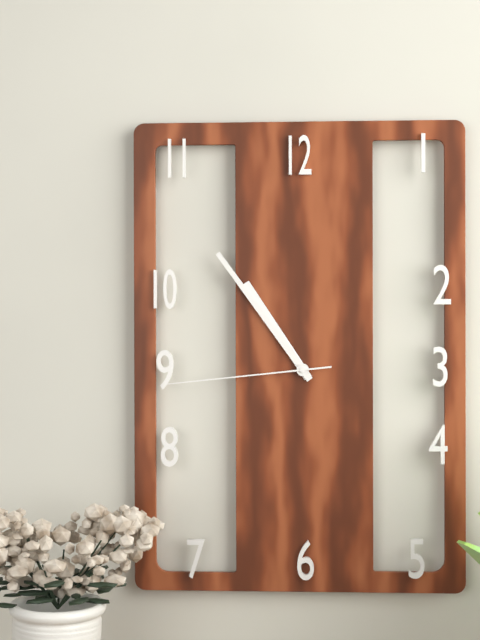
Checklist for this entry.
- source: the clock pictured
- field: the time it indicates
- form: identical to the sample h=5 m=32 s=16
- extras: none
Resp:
h=10 m=54 s=44
